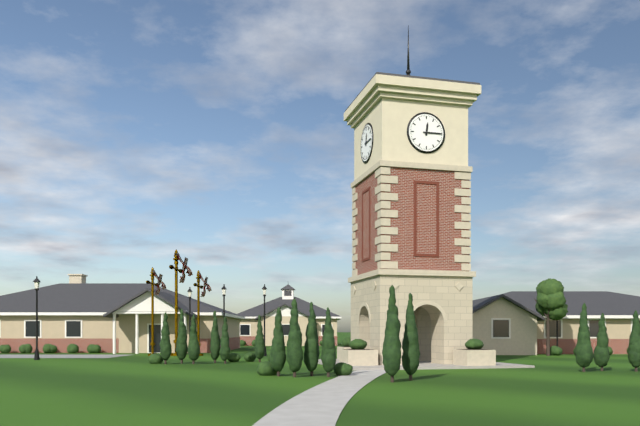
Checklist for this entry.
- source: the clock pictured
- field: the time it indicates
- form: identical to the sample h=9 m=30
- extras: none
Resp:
h=12 m=15
